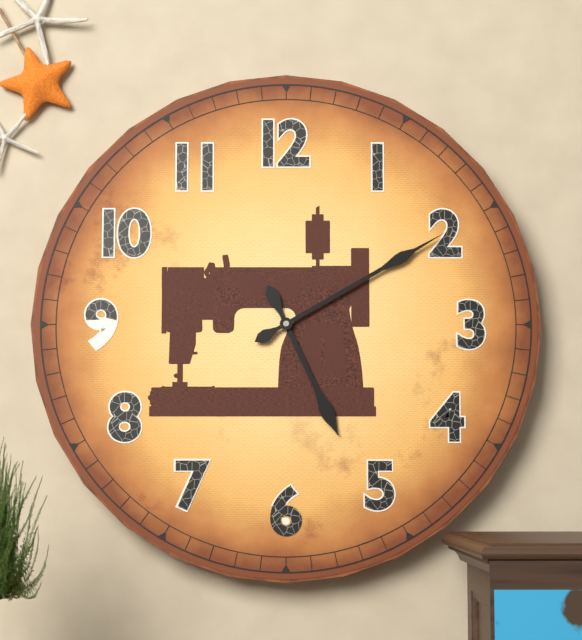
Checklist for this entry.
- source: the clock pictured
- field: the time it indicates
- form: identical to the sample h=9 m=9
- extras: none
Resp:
h=5 m=10
